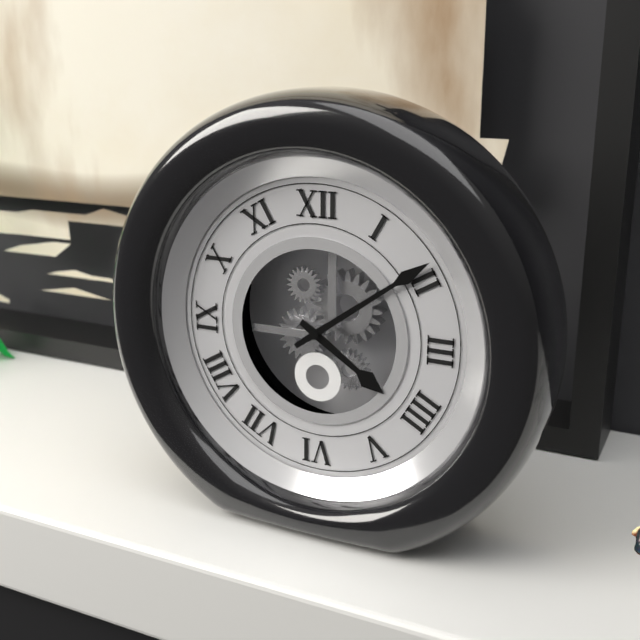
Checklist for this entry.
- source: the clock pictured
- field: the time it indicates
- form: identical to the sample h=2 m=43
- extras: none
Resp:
h=4 m=9
